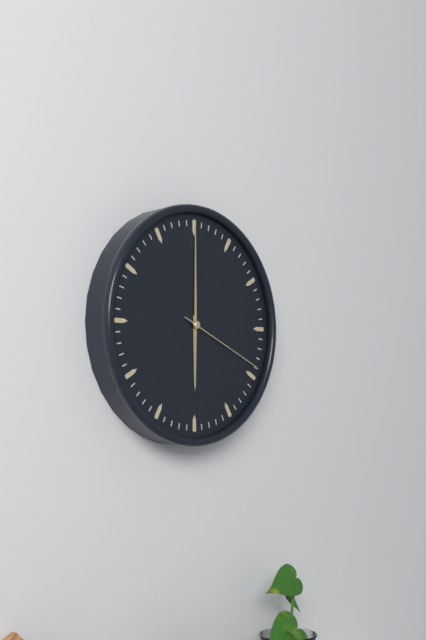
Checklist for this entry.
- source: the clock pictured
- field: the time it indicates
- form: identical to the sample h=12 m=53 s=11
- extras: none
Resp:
h=6 m=0 s=19
